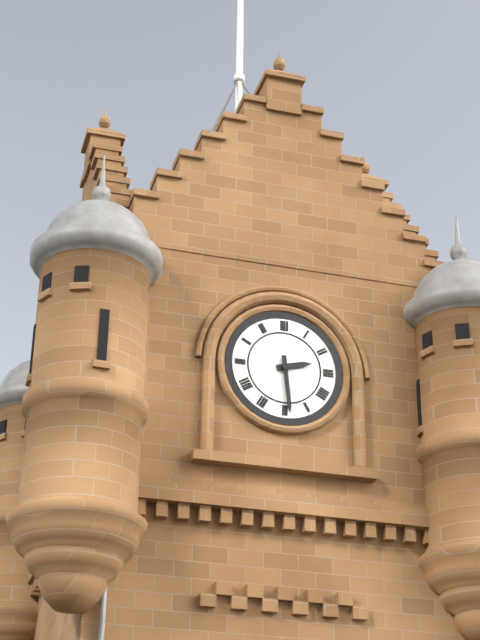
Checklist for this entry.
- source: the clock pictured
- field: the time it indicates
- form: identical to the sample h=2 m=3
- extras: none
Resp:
h=2 m=29
